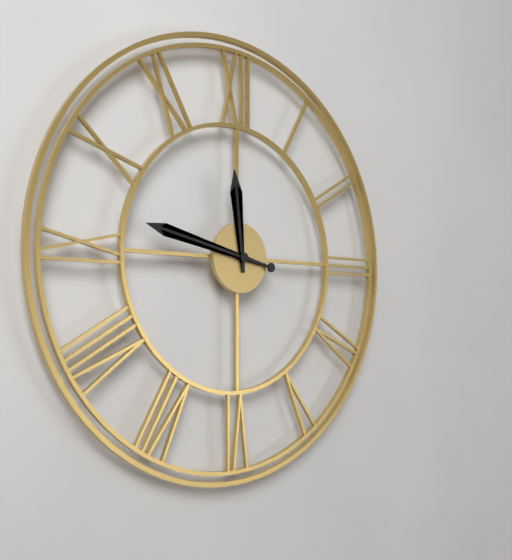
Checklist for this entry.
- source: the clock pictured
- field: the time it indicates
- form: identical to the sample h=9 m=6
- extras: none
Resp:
h=11 m=47
